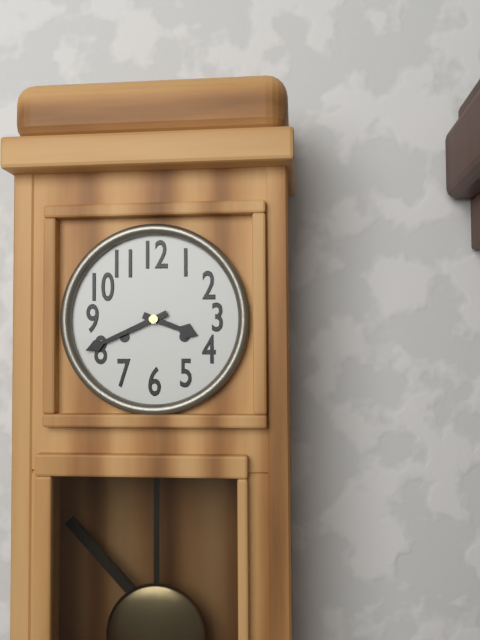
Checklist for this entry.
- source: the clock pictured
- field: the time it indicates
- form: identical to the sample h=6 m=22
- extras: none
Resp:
h=3 m=41
